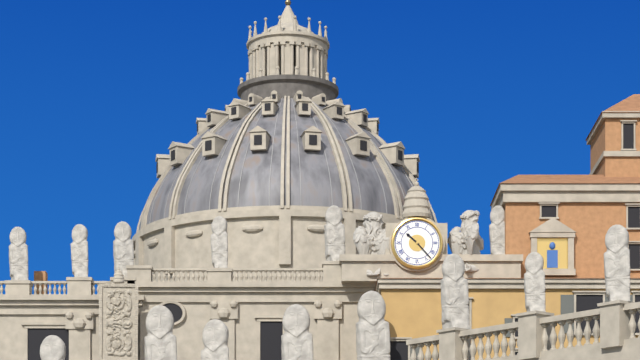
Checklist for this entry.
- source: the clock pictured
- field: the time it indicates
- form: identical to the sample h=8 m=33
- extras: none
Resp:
h=10 m=23
